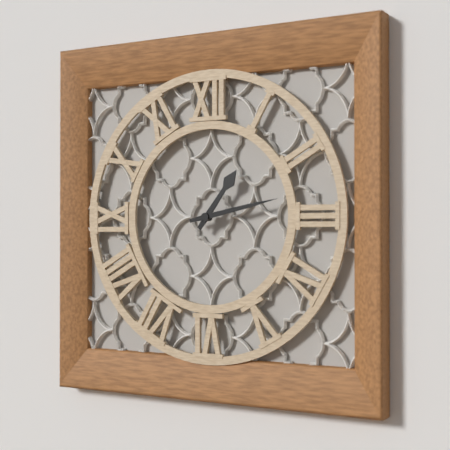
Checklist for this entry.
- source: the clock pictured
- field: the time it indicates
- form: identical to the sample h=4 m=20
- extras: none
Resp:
h=1 m=13
